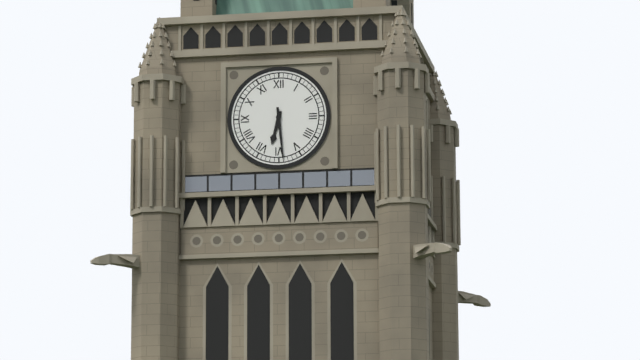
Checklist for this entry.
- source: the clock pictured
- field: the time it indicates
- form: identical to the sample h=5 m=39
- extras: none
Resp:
h=6 m=29
